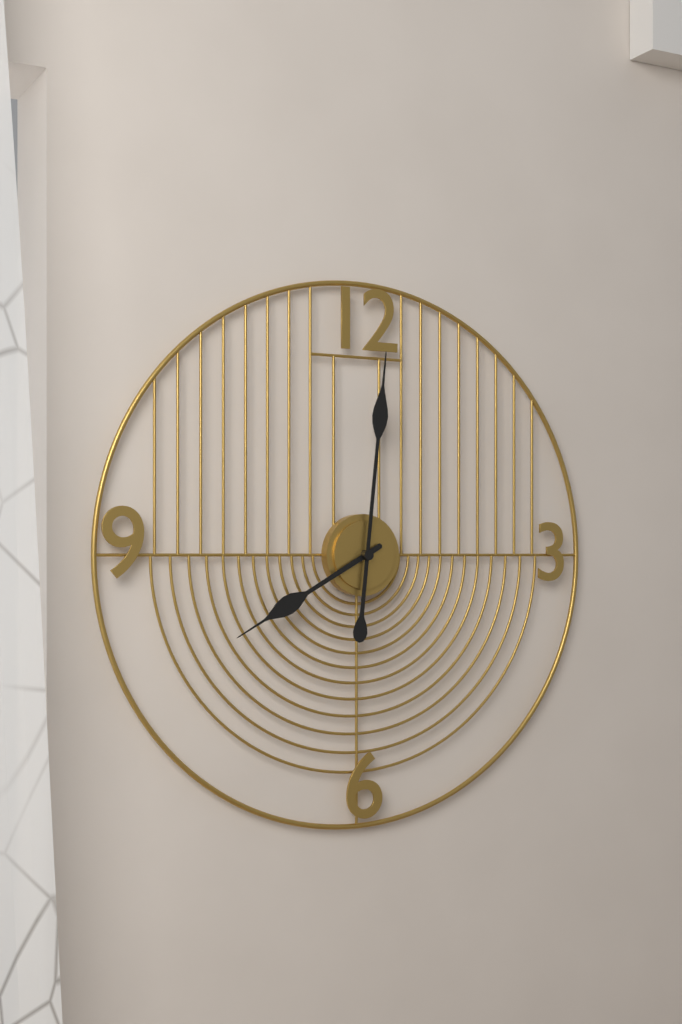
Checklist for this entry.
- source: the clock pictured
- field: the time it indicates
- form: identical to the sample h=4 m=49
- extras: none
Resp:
h=8 m=1
